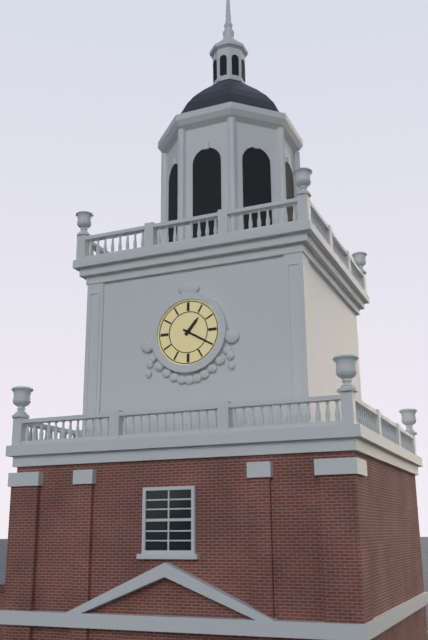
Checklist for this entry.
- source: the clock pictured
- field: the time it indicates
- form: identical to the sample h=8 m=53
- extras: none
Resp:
h=1 m=20
